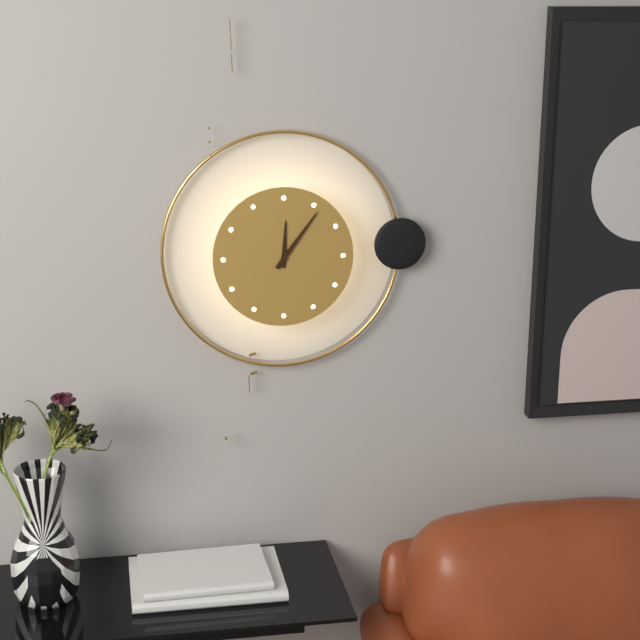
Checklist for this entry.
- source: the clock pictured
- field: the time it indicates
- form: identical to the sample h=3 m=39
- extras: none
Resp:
h=12 m=6
